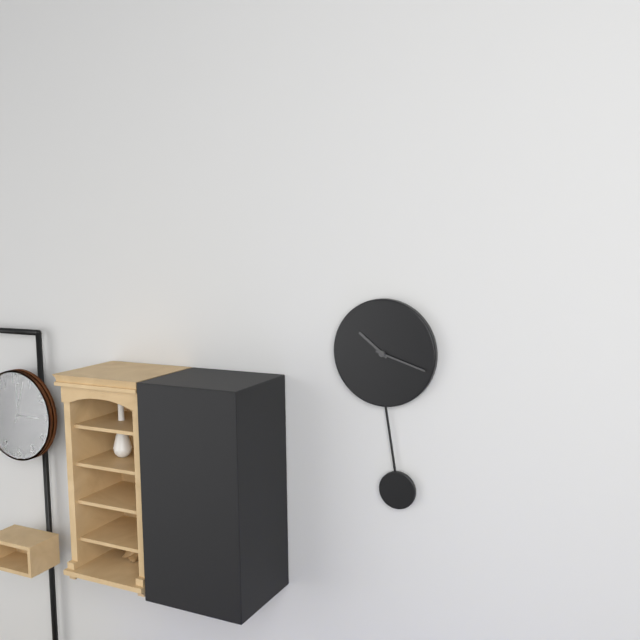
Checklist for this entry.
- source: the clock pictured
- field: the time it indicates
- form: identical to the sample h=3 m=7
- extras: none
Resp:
h=10 m=18
